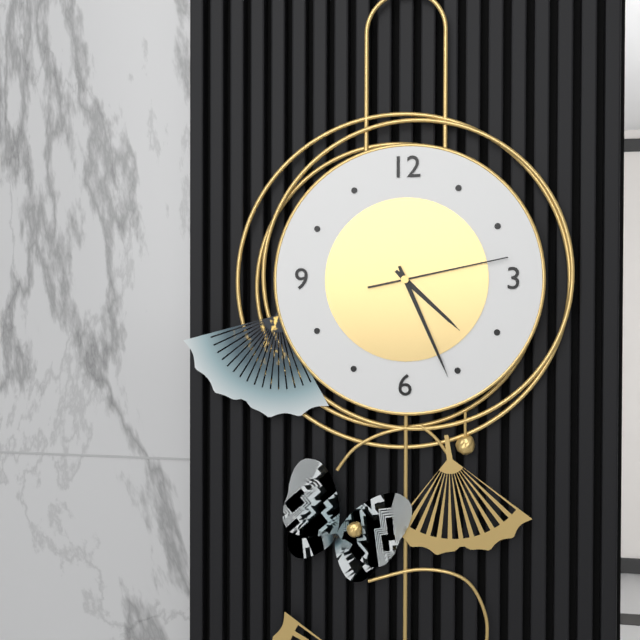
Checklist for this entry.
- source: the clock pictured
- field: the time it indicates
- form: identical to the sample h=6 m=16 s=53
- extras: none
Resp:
h=4 m=26 s=13
